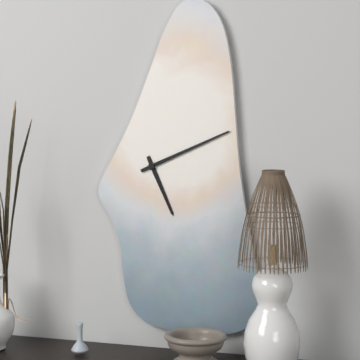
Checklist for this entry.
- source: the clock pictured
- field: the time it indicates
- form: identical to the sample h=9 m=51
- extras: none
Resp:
h=5 m=11
